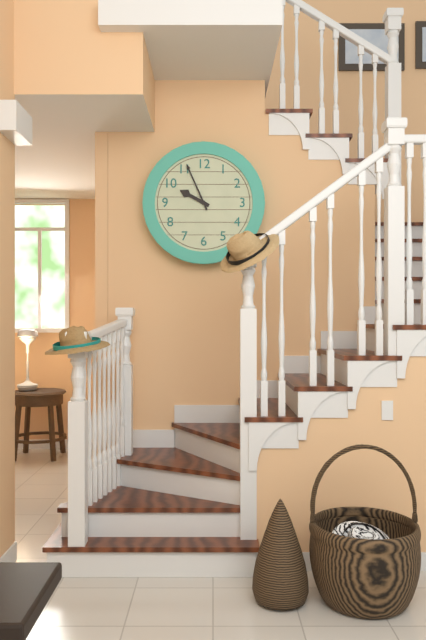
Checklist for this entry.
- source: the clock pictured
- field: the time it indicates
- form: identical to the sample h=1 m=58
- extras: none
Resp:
h=9 m=56
